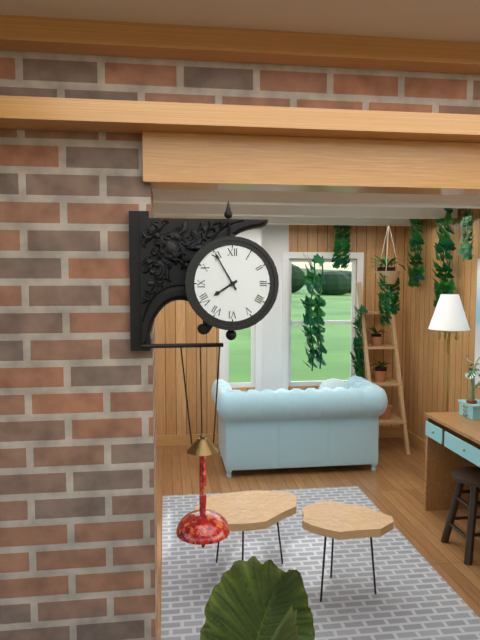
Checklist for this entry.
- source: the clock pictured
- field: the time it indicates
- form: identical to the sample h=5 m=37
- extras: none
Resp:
h=7 m=55
